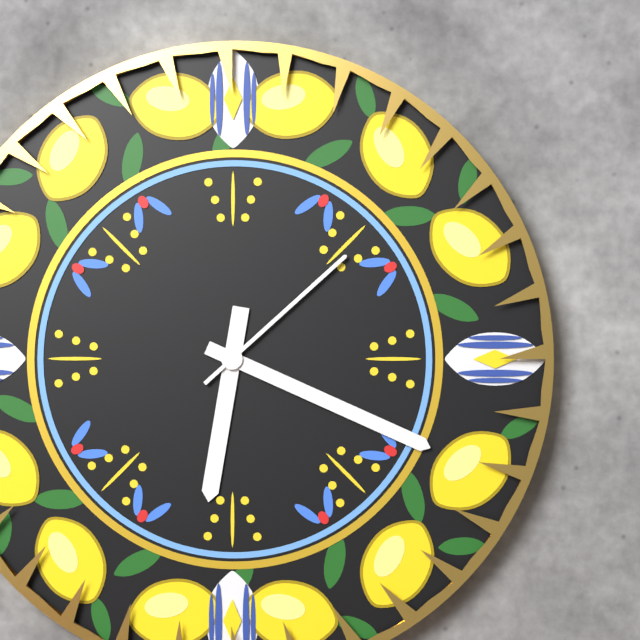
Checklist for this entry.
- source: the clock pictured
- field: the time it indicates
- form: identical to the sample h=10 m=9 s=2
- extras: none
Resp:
h=6 m=19 s=8
